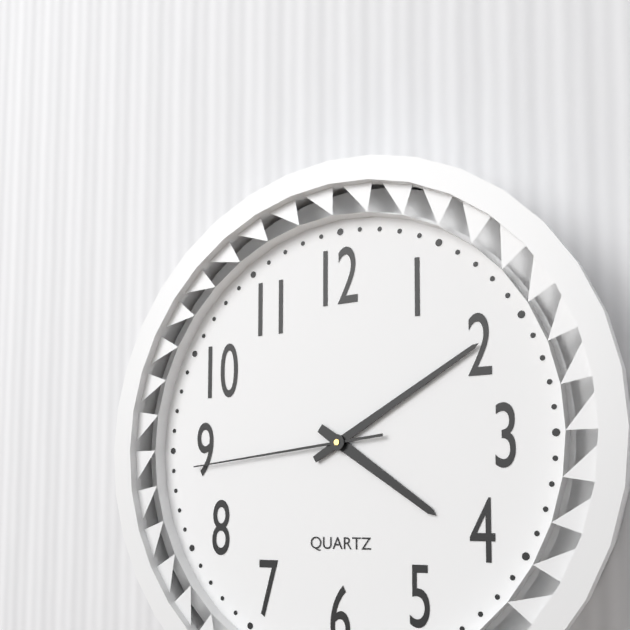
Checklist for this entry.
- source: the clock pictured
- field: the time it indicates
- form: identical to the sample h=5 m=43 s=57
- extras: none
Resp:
h=4 m=10 s=44
